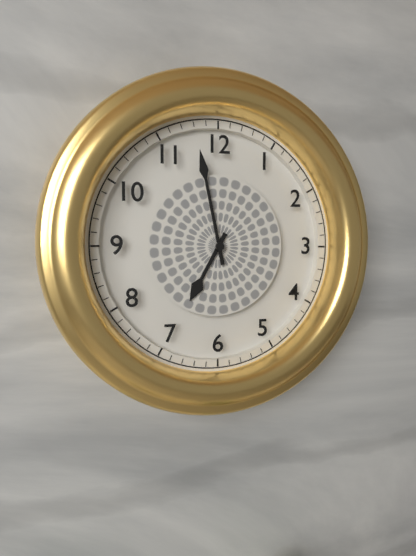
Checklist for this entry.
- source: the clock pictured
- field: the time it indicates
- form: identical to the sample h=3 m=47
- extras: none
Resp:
h=6 m=58
